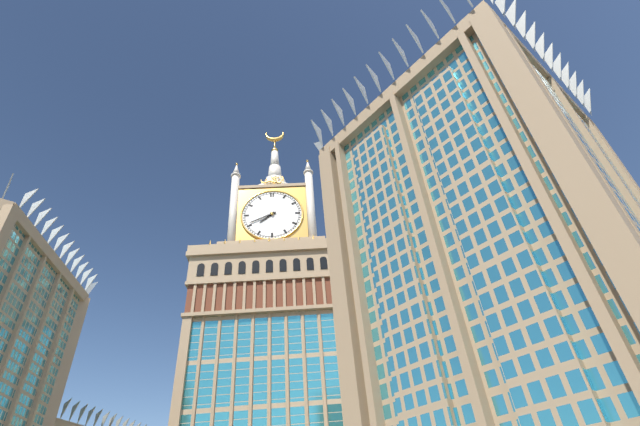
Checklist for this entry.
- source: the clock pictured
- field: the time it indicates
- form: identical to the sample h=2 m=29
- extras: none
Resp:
h=7 m=41
